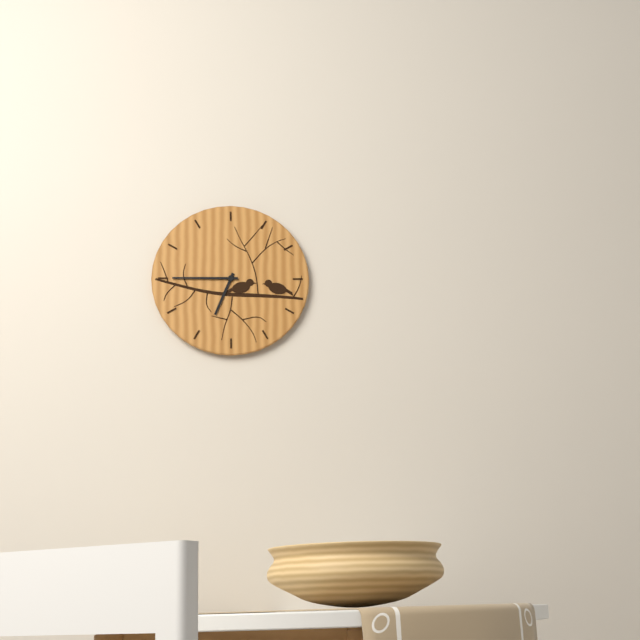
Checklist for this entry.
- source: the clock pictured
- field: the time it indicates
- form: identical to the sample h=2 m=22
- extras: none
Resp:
h=6 m=45
